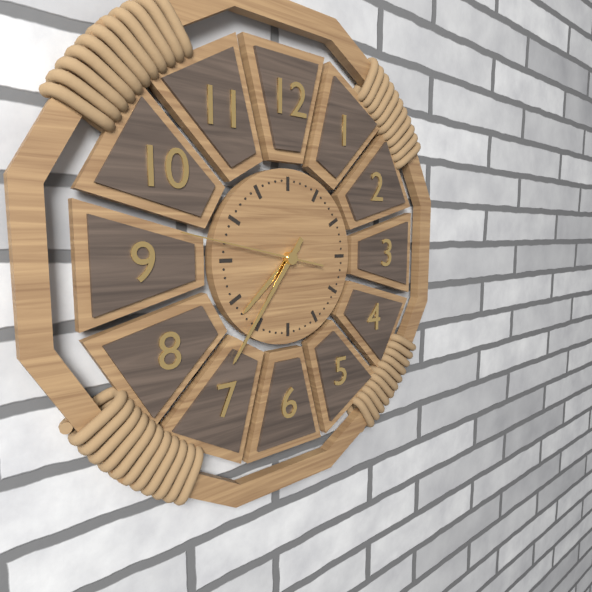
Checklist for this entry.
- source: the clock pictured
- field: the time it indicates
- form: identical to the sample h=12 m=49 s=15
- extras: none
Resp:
h=7 m=36 s=47
